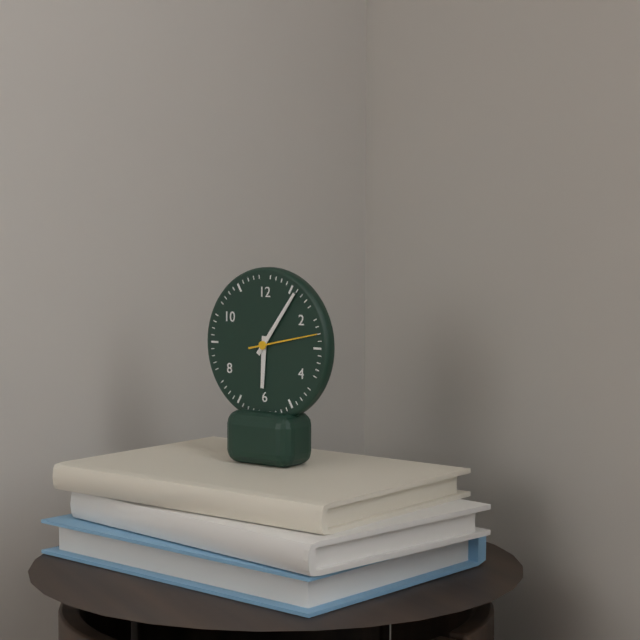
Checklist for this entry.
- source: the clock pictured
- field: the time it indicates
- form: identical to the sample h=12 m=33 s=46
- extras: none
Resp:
h=6 m=6 s=13
